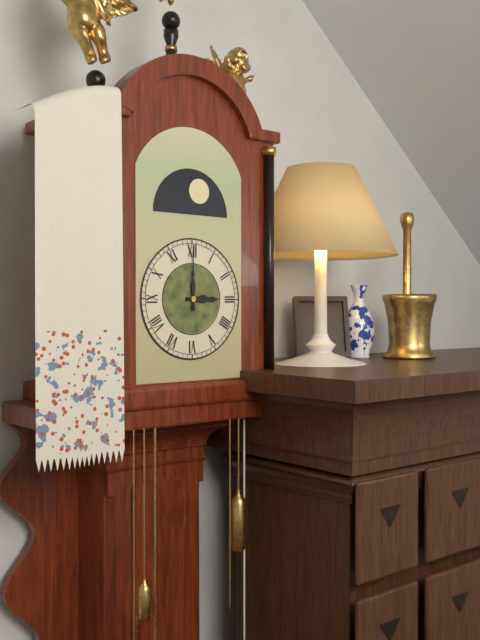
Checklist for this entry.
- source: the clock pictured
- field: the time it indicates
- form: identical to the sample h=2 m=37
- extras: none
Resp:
h=3 m=0
